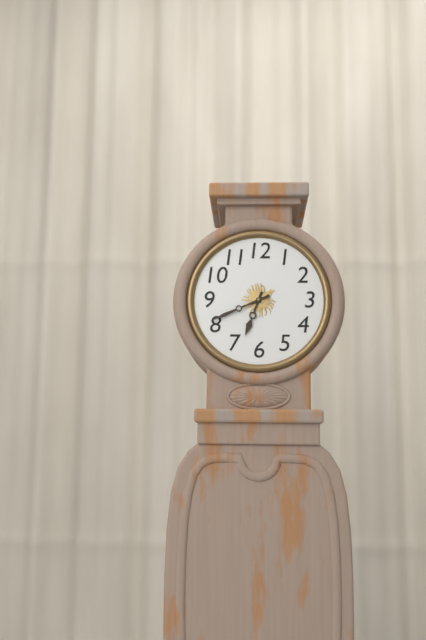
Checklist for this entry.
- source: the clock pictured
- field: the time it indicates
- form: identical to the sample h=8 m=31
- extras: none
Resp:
h=6 m=41
